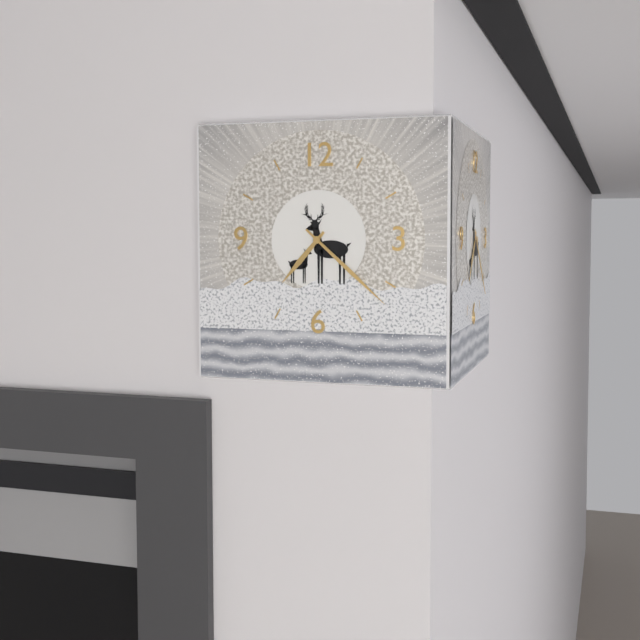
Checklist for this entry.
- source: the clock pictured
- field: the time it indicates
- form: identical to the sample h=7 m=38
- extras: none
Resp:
h=7 m=22
